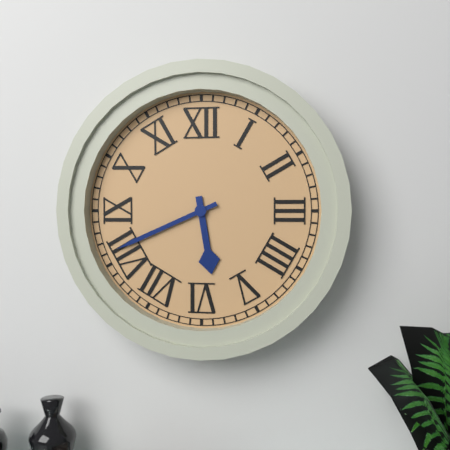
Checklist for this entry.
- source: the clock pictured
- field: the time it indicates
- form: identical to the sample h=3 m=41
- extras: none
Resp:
h=5 m=41
